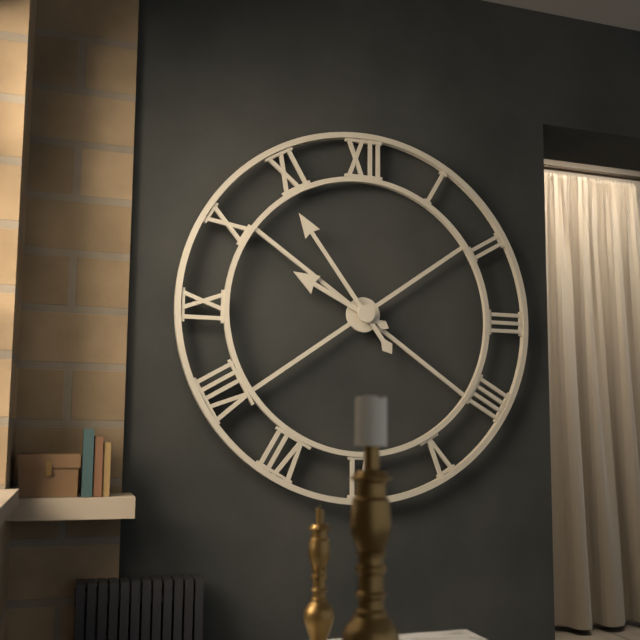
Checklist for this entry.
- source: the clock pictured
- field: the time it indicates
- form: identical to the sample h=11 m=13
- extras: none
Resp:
h=9 m=54
